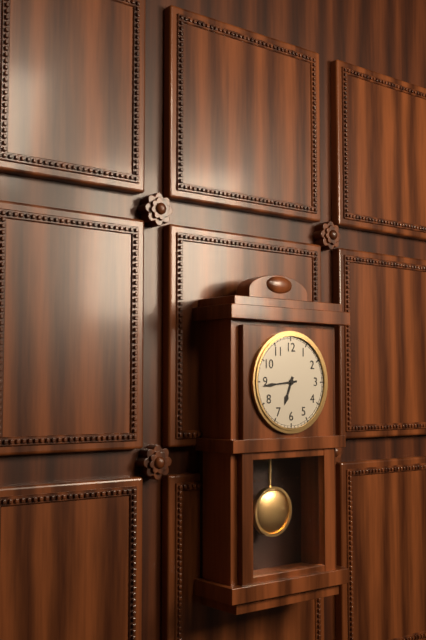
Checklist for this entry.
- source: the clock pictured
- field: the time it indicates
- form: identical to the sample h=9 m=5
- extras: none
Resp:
h=6 m=44
